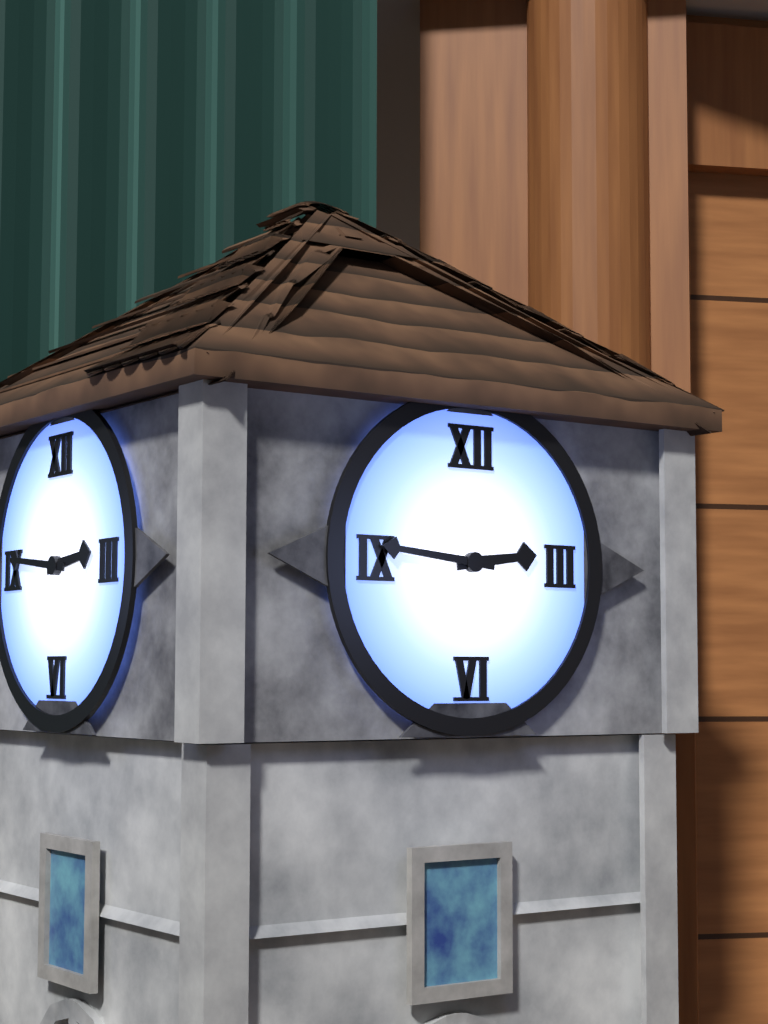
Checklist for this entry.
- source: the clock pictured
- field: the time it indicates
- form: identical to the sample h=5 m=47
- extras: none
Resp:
h=2 m=46
